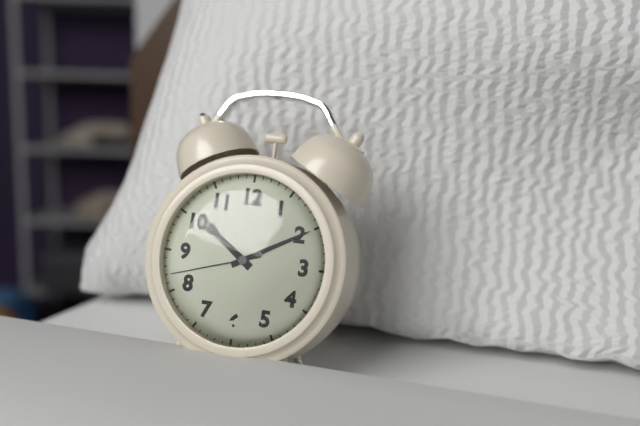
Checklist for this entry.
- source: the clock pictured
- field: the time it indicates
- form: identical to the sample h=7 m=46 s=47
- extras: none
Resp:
h=10 m=10 s=42
